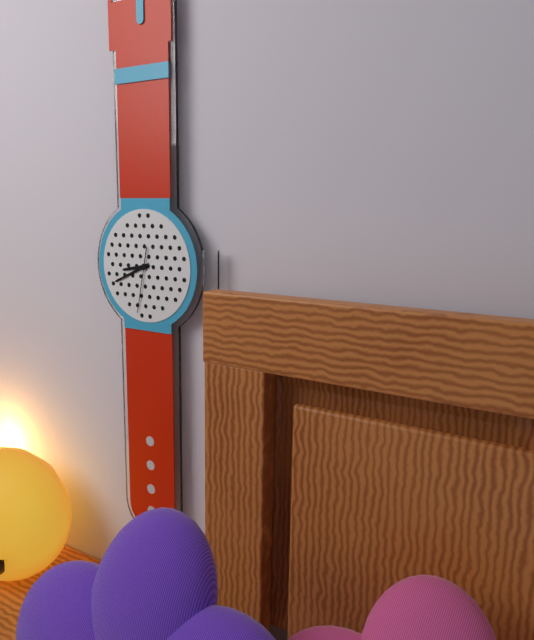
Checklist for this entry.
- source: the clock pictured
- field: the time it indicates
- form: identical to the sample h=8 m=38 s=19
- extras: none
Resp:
h=8 m=41 s=32
